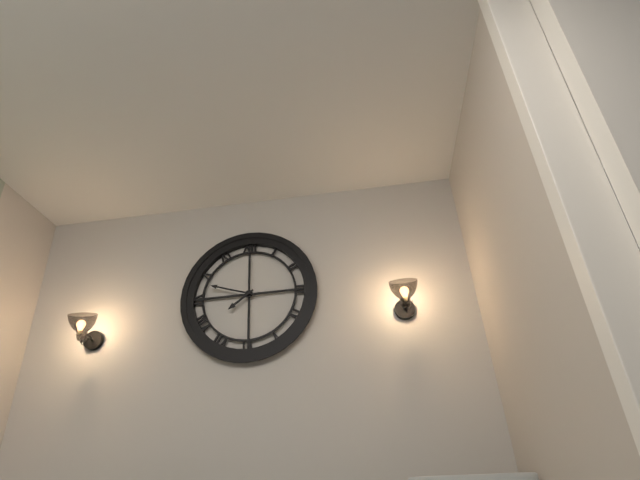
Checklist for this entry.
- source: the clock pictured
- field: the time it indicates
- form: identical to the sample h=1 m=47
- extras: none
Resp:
h=7 m=48
